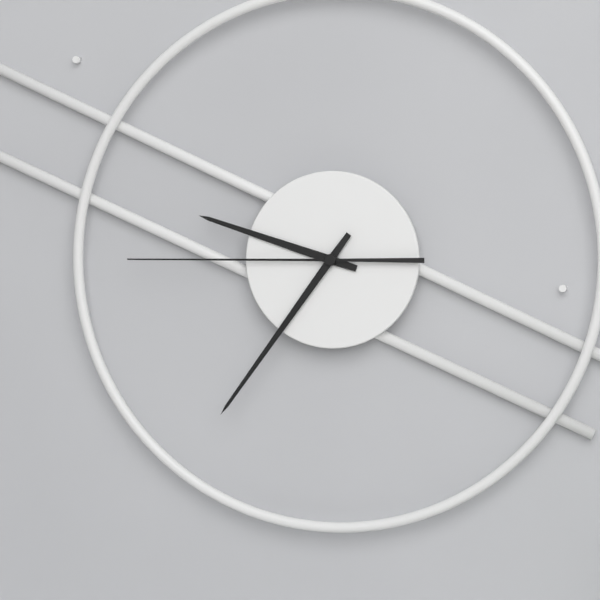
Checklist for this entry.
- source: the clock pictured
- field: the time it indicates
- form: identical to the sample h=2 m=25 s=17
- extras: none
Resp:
h=9 m=36 s=45
